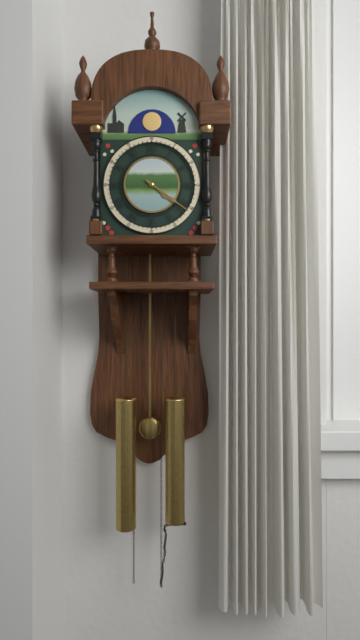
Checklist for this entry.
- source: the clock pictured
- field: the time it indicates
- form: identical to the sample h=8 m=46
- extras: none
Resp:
h=4 m=21
